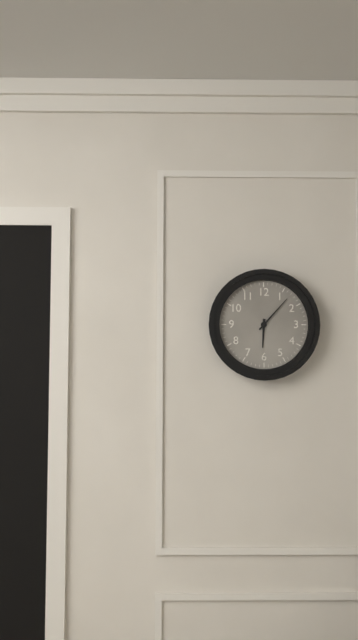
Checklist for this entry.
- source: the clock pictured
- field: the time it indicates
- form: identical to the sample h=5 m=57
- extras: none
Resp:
h=6 m=7
